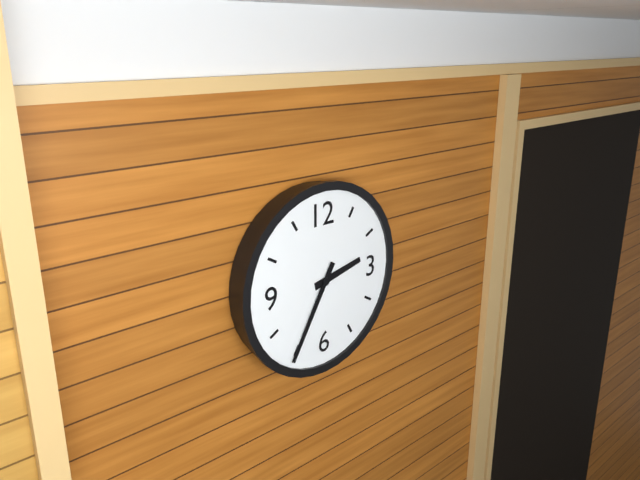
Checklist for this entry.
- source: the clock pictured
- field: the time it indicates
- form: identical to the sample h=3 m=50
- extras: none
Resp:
h=2 m=35
